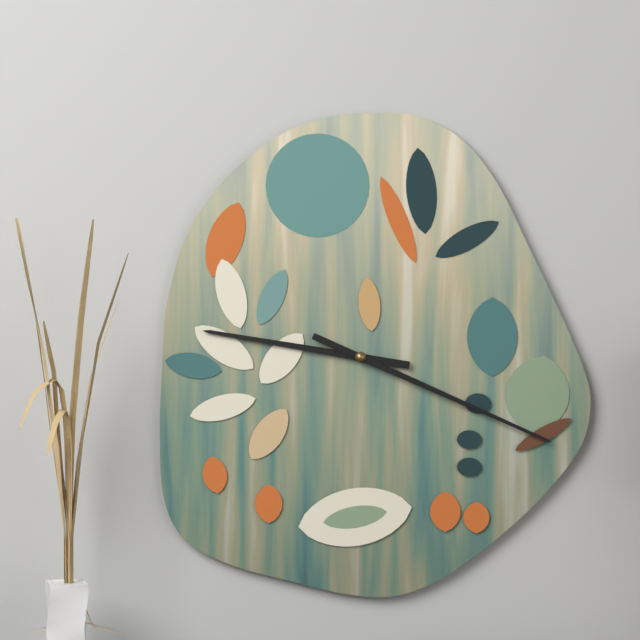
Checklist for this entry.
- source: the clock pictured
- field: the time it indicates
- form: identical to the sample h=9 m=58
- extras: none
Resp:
h=9 m=19
